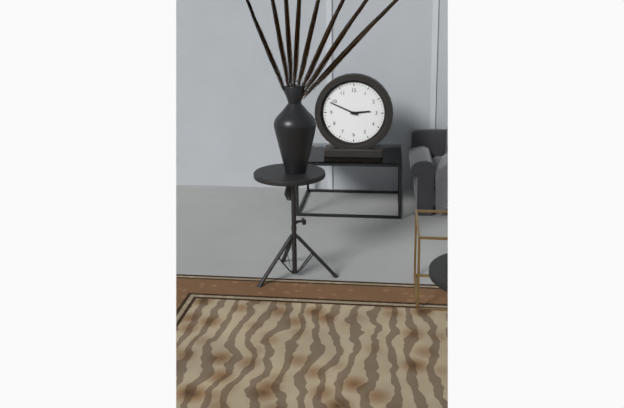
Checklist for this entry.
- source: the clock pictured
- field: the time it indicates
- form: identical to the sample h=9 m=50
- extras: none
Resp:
h=2 m=49
